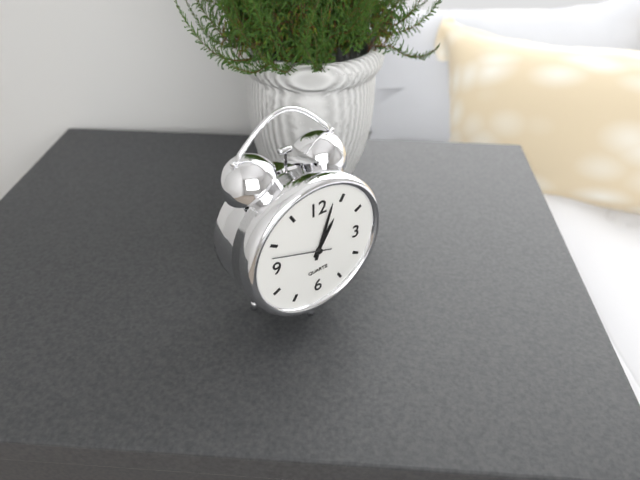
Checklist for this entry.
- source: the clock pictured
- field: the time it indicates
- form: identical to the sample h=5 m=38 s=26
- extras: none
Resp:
h=1 m=3 s=48
